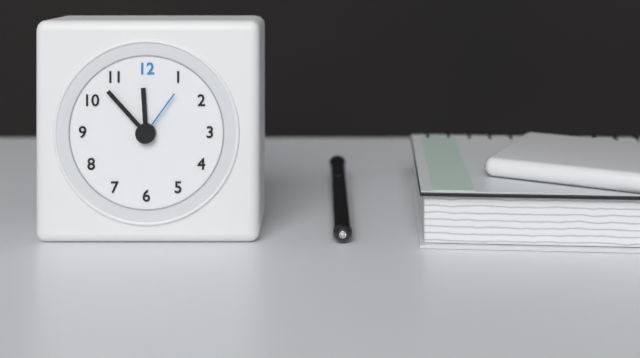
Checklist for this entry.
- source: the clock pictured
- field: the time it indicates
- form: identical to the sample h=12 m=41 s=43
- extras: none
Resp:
h=11 m=53 s=6
